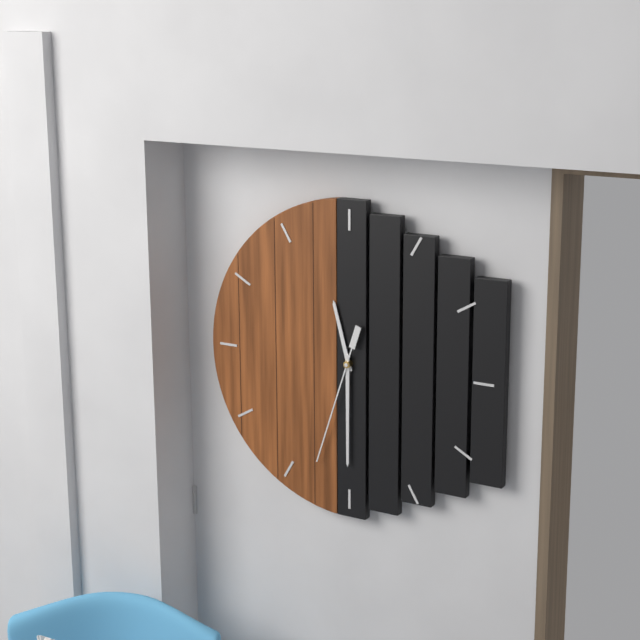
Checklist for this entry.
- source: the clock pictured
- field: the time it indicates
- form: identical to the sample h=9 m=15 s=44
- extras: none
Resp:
h=11 m=30 s=33
